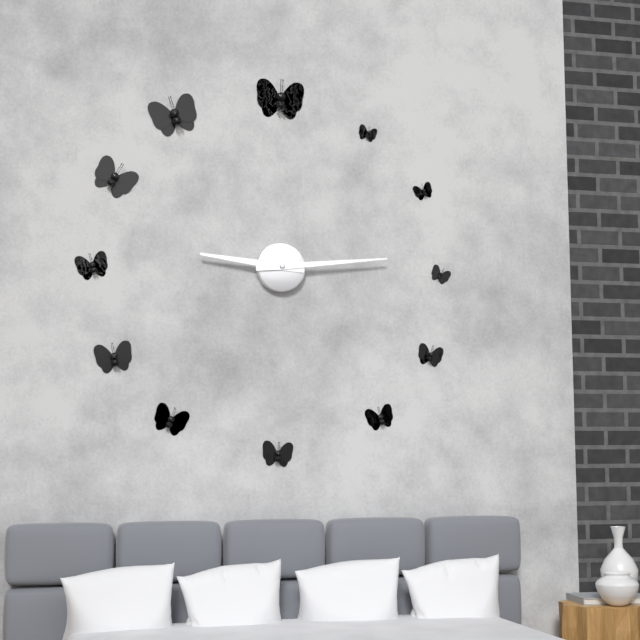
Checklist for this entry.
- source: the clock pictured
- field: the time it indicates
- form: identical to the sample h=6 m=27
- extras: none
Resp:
h=9 m=14
